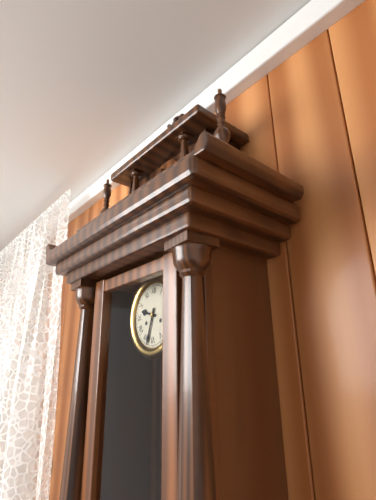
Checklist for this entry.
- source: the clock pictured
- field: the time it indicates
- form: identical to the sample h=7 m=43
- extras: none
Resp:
h=9 m=33
